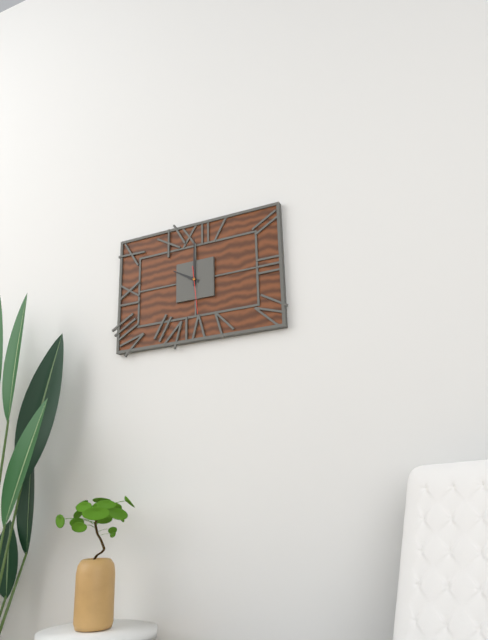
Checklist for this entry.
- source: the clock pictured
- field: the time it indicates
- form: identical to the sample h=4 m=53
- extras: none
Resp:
h=10 m=0
